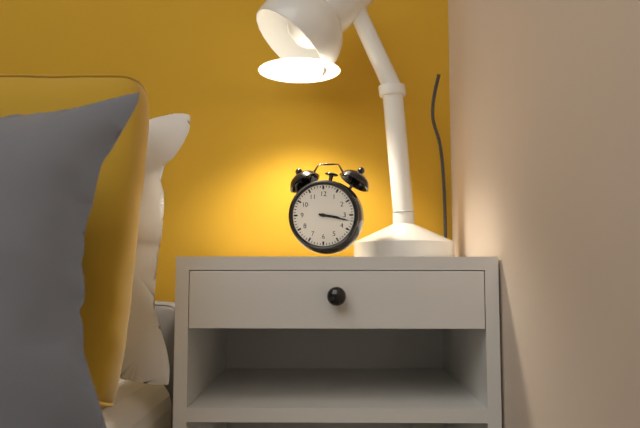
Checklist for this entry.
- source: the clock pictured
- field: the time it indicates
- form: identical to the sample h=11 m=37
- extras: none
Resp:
h=3 m=17
